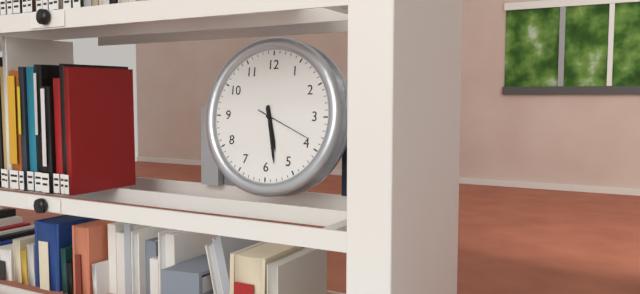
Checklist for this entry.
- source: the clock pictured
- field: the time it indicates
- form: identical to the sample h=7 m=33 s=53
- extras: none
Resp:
h=5 m=28 s=19
